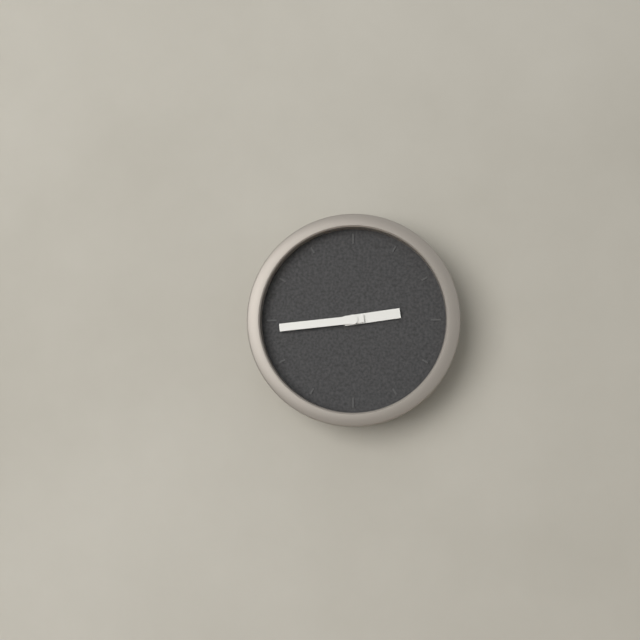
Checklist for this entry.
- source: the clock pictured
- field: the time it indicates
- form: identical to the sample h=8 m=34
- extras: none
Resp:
h=2 m=44
